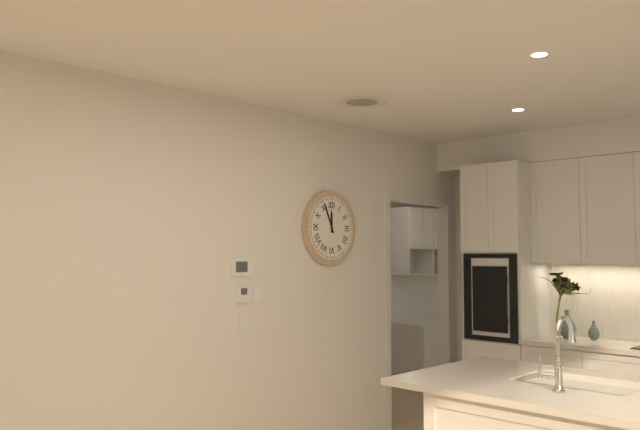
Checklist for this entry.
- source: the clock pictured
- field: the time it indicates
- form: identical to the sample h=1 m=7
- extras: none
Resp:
h=11 m=56
